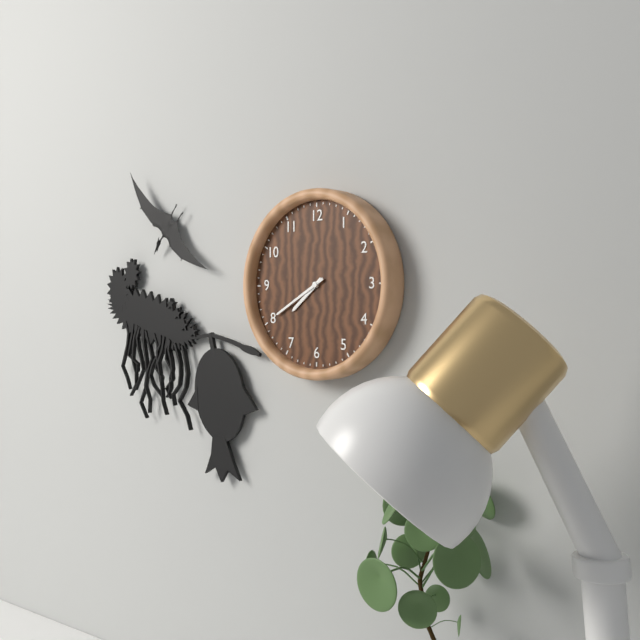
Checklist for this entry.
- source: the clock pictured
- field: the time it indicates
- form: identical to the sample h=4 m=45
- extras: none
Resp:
h=7 m=40
